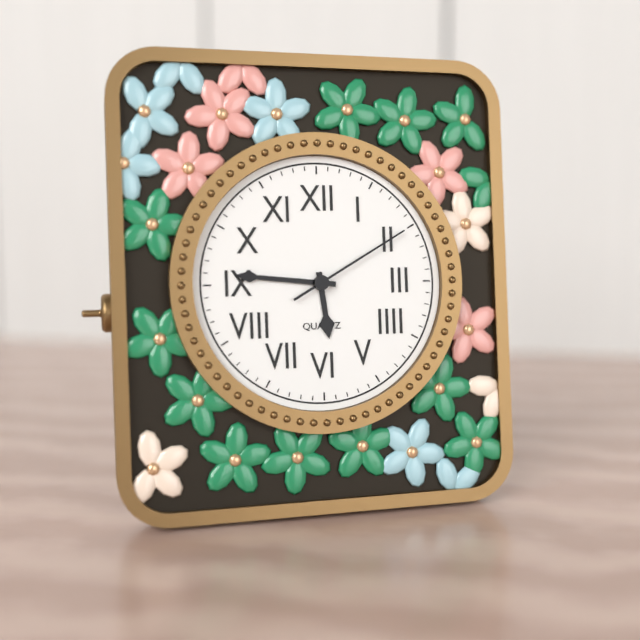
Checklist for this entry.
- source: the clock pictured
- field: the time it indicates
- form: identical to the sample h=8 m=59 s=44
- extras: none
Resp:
h=5 m=46 s=10
